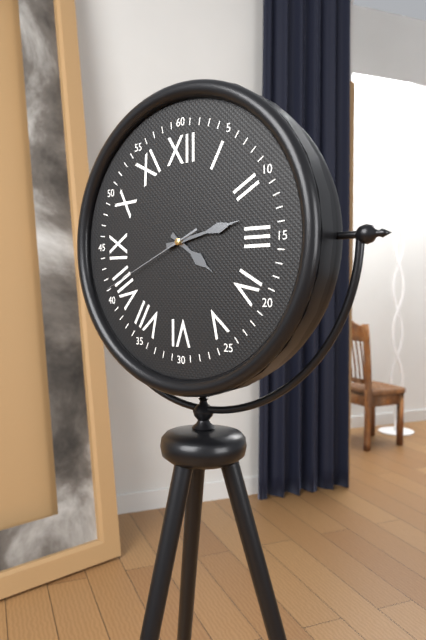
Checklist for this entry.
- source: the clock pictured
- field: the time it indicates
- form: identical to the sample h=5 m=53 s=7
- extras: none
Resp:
h=4 m=13 s=41
